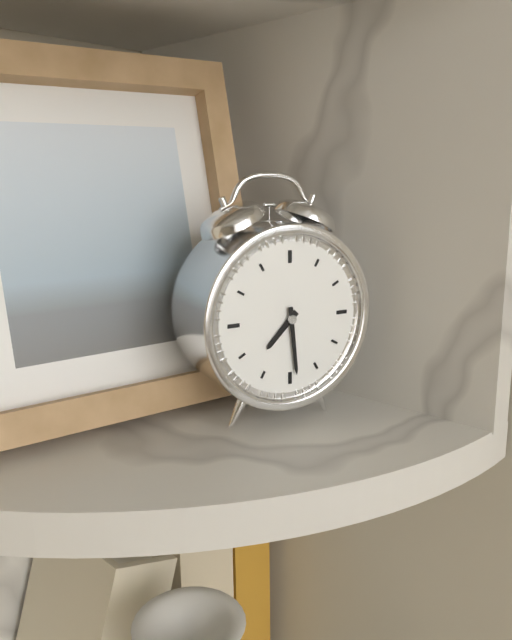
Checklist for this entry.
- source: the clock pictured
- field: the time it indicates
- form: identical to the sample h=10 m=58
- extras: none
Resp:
h=7 m=29
